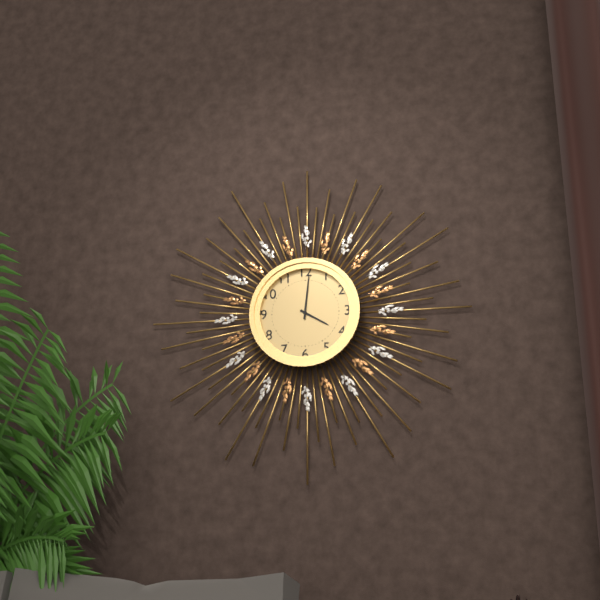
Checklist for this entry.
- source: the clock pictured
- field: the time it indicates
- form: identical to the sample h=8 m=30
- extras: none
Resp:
h=4 m=1
